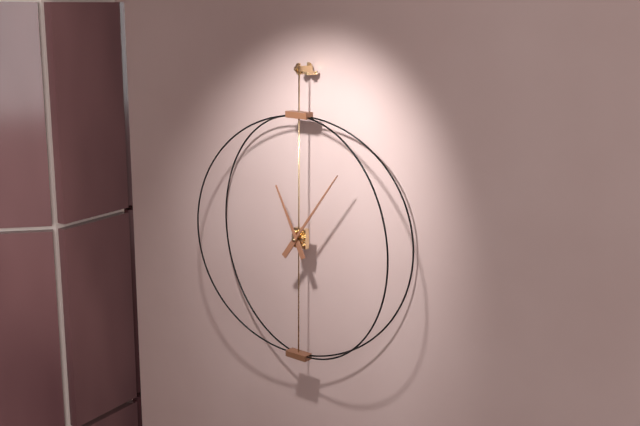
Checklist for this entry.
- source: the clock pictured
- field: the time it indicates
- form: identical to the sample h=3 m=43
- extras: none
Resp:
h=11 m=6
